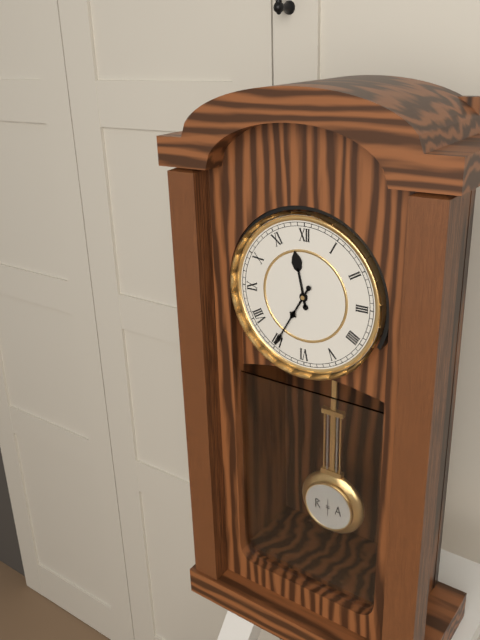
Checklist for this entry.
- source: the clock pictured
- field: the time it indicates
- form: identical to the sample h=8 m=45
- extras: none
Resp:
h=11 m=35
